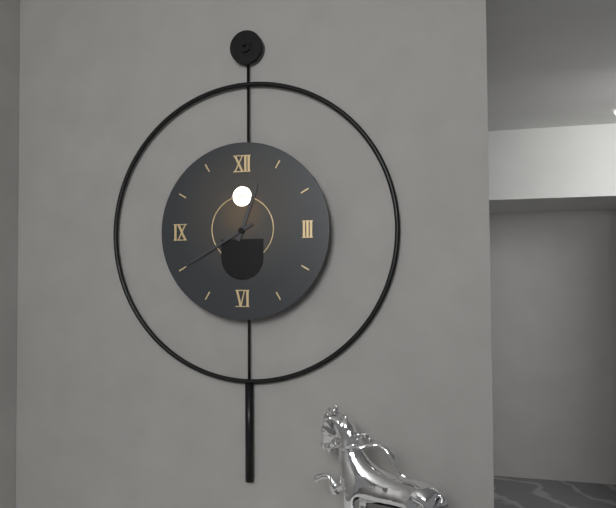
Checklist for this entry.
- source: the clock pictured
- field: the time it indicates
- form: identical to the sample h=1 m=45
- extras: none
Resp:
h=12 m=40
